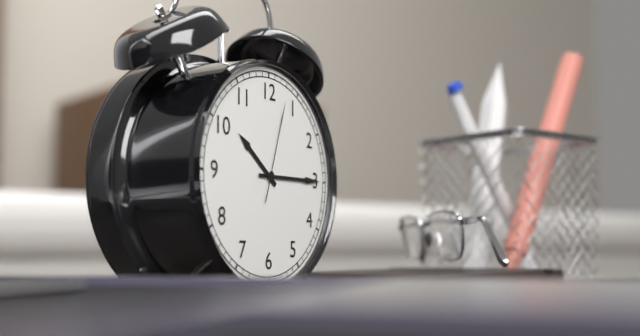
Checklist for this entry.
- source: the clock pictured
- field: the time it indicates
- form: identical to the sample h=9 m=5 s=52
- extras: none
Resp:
h=10 m=15 s=3
